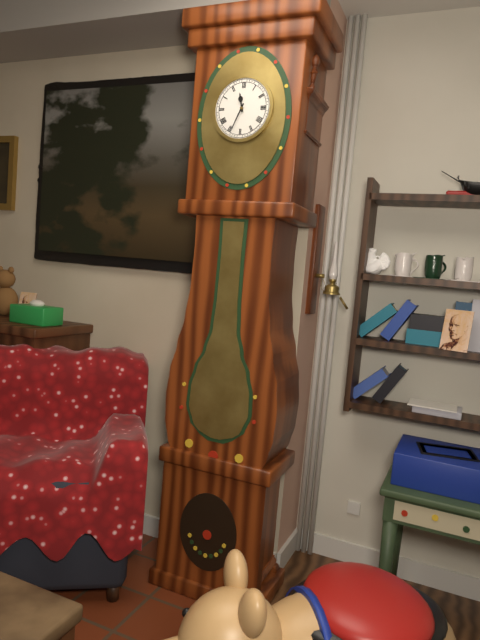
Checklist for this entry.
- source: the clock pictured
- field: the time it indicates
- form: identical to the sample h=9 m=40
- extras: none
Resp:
h=11 m=34
